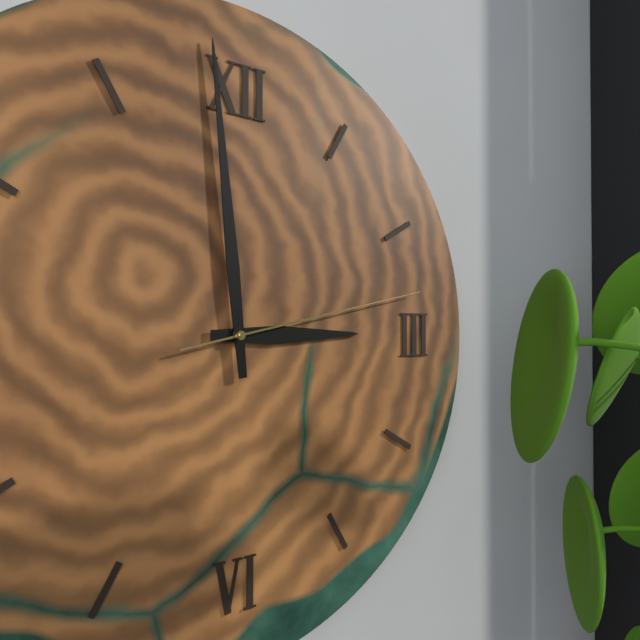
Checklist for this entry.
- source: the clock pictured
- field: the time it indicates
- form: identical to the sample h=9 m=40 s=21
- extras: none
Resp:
h=2 m=59 s=13
